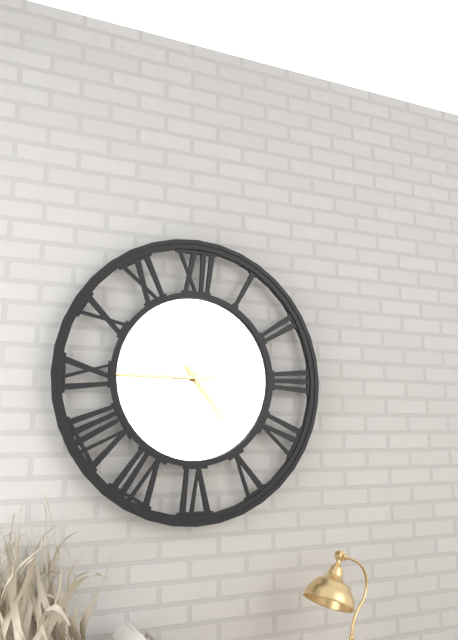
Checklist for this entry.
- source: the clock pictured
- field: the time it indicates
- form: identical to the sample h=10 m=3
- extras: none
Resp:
h=4 m=45
